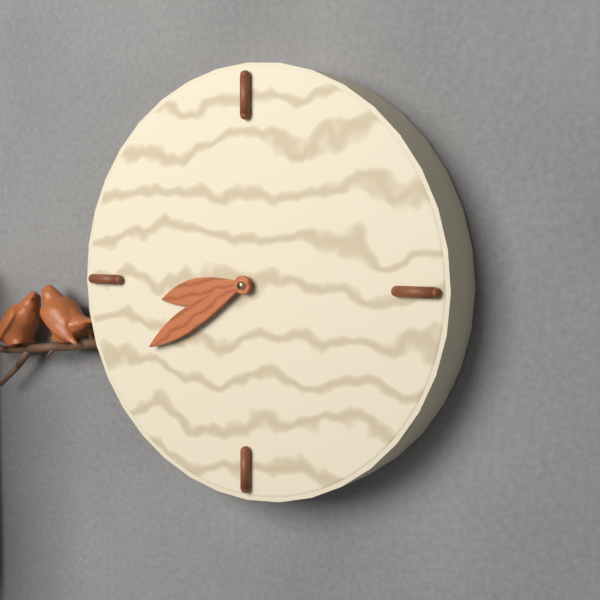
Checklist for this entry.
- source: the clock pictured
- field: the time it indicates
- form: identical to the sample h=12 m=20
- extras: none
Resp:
h=8 m=40
